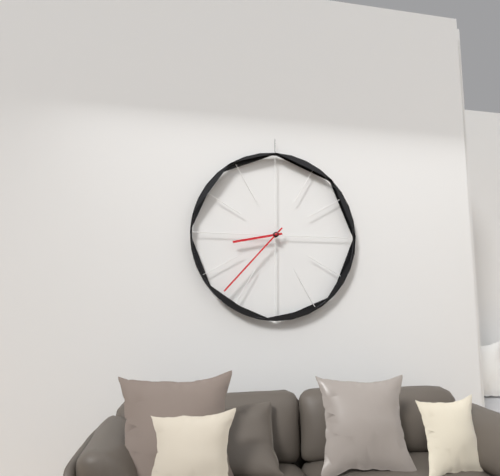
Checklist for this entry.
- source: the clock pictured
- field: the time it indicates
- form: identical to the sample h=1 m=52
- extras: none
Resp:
h=8 m=37
